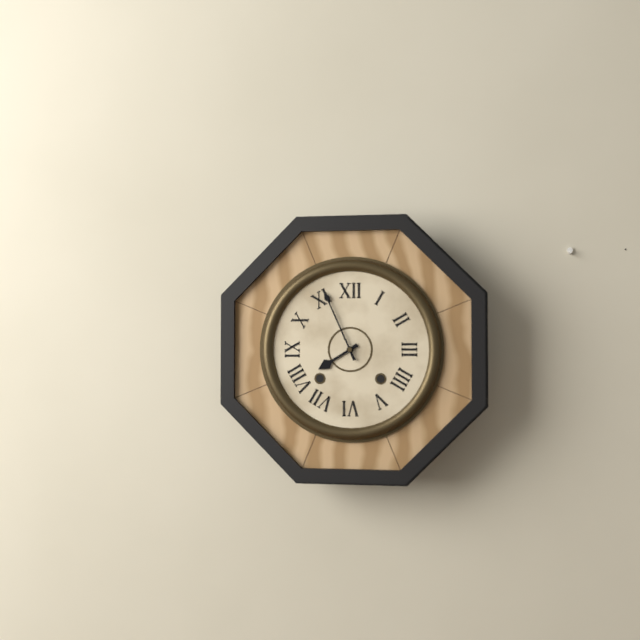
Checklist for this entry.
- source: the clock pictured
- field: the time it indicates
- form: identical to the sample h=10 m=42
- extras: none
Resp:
h=7 m=56
